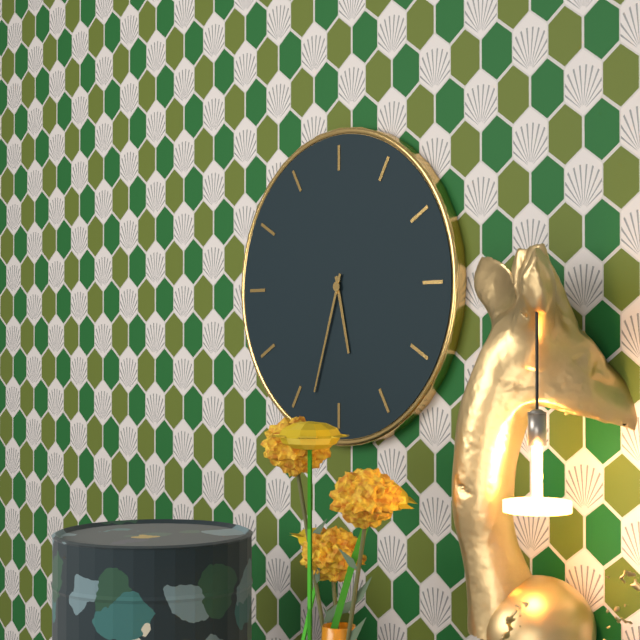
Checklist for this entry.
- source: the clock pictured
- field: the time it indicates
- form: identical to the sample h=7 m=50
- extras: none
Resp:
h=5 m=33
